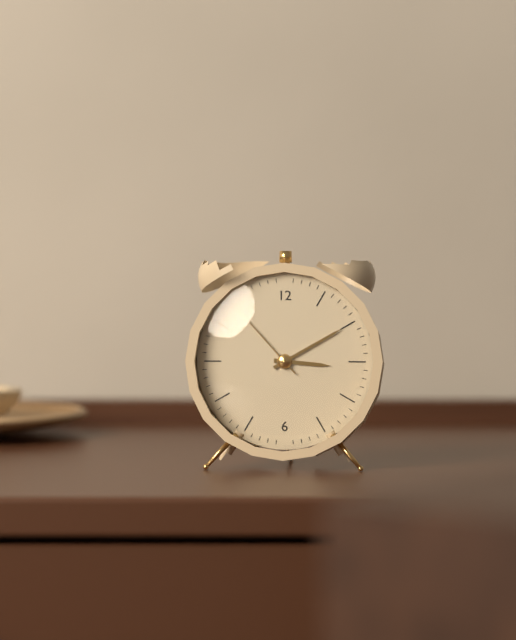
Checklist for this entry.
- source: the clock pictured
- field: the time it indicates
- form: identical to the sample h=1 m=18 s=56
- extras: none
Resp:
h=3 m=10 s=53
